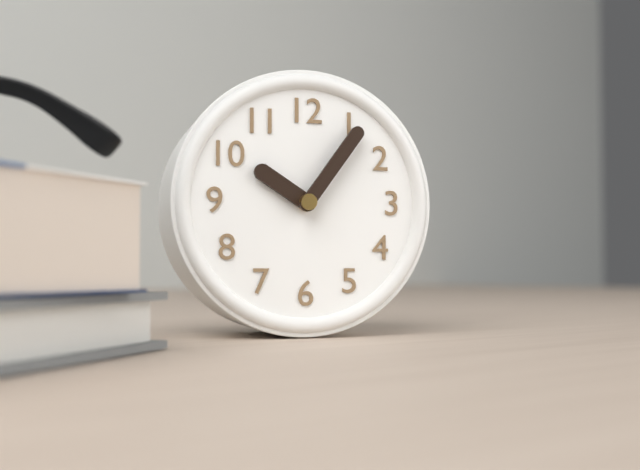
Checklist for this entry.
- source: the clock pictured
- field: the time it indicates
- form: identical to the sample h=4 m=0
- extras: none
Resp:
h=10 m=6
